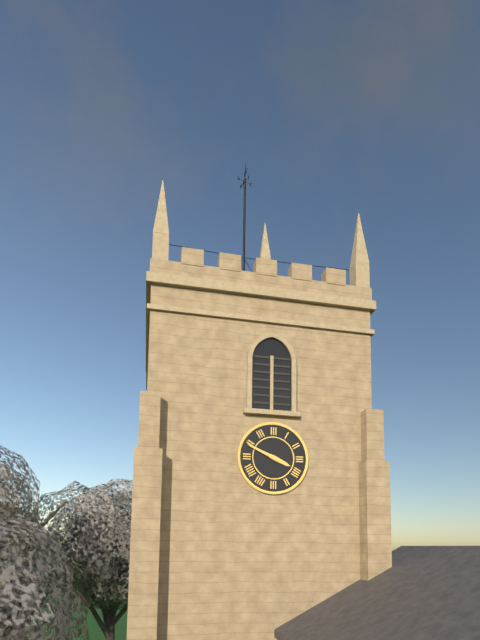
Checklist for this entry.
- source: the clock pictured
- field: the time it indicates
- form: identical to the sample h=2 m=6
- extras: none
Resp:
h=3 m=49
